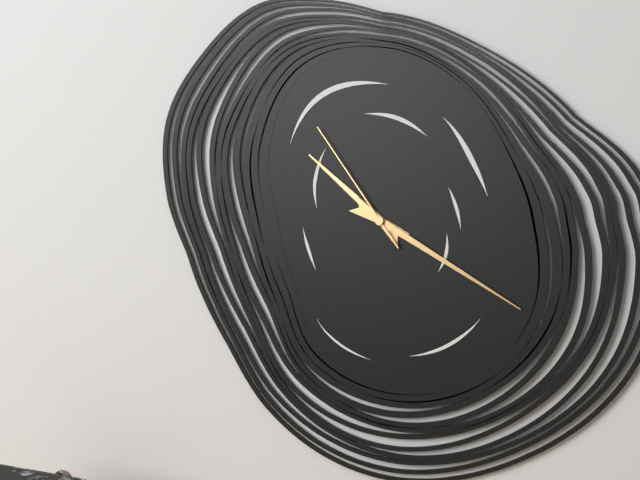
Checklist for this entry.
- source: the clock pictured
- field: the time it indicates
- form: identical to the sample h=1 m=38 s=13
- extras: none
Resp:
h=10 m=20 s=54
